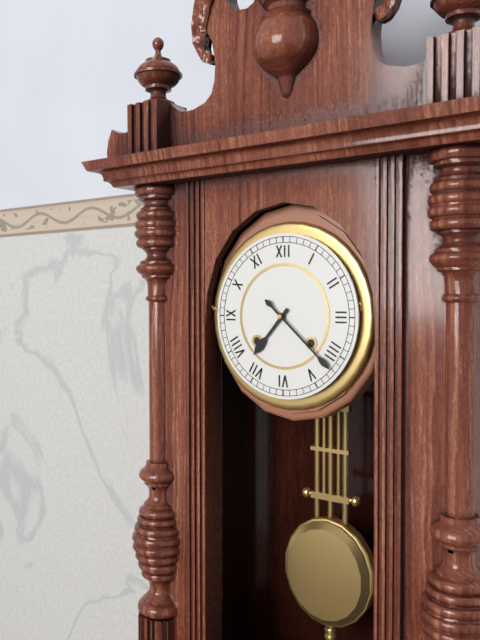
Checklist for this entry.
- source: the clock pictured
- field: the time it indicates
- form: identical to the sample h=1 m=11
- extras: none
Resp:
h=7 m=22
